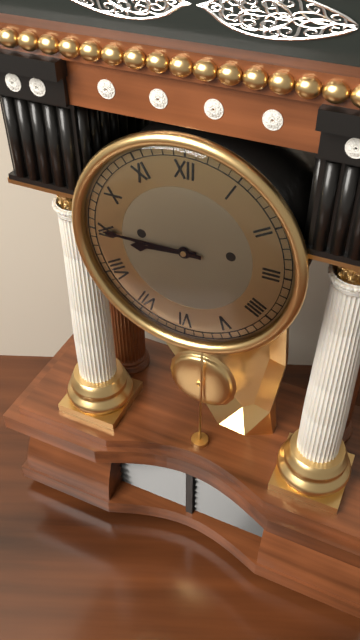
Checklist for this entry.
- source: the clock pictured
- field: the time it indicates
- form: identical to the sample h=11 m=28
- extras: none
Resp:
h=8 m=45
